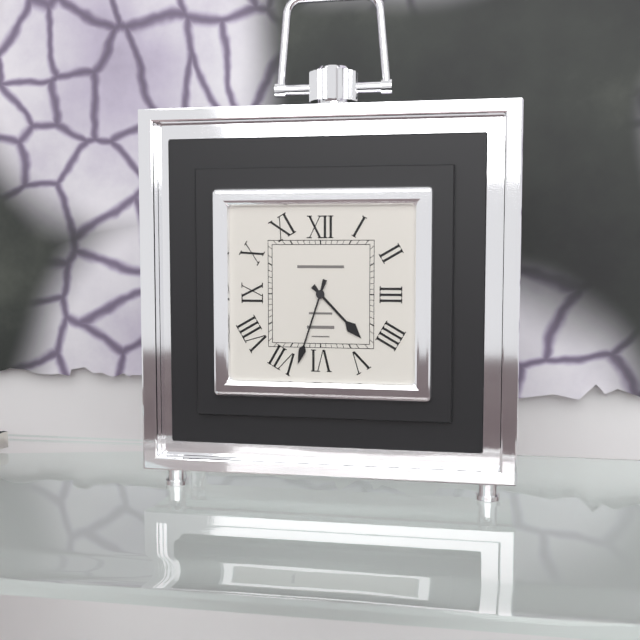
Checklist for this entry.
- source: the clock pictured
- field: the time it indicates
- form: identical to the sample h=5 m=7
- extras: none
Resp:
h=4 m=33
